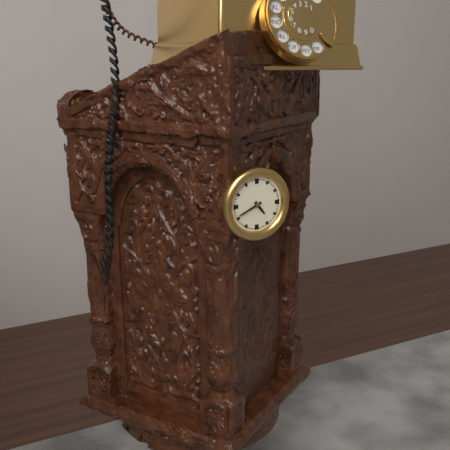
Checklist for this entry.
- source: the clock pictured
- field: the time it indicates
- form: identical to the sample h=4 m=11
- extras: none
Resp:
h=4 m=41
